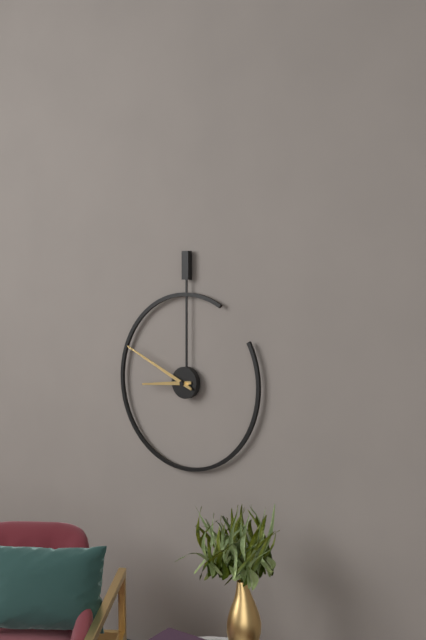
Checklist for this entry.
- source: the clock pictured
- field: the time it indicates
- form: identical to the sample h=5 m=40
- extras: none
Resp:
h=8 m=49
